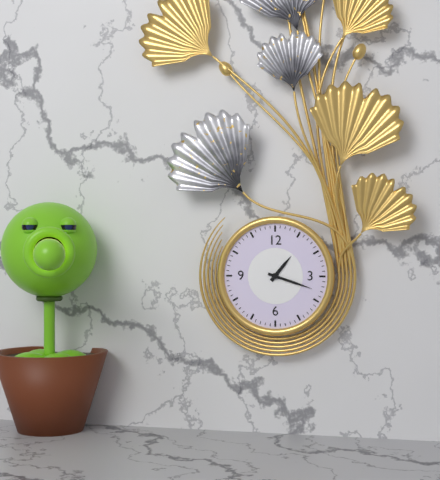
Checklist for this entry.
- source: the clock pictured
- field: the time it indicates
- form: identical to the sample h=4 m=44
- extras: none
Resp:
h=1 m=18
